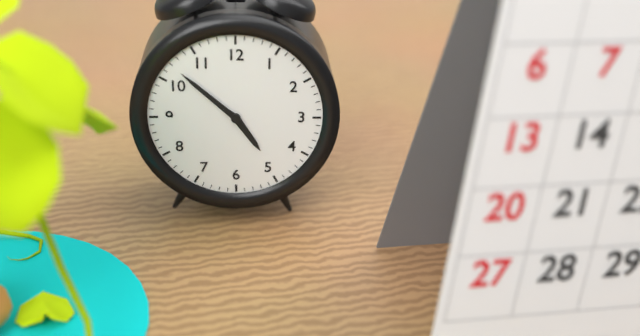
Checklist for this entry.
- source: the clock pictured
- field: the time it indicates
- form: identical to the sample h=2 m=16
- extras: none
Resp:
h=4 m=52
